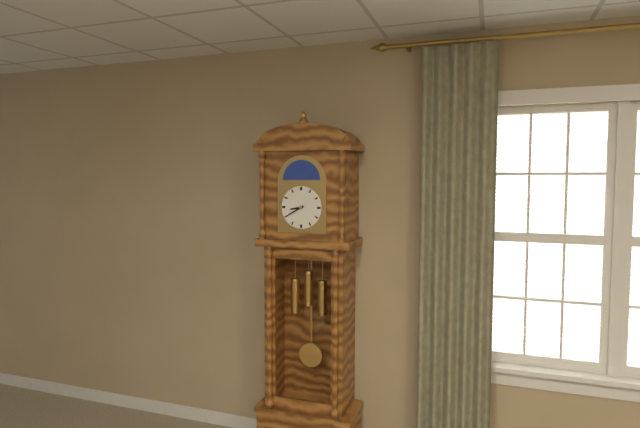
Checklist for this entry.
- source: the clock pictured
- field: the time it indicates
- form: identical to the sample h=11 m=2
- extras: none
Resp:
h=8 m=40
